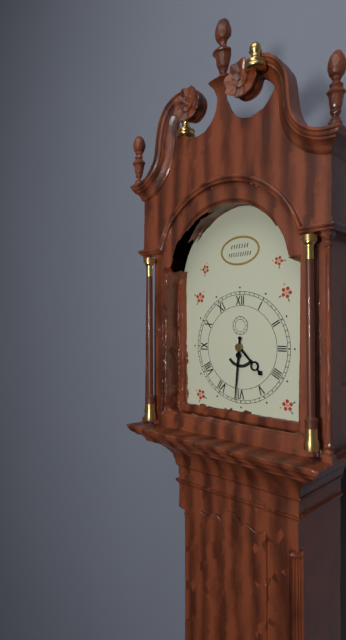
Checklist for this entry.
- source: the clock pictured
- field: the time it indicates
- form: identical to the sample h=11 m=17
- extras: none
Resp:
h=4 m=31
